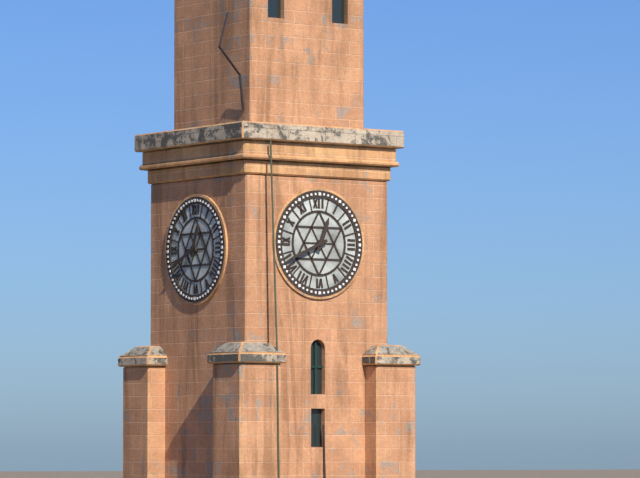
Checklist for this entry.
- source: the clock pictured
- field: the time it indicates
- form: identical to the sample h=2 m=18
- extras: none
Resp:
h=12 m=41
